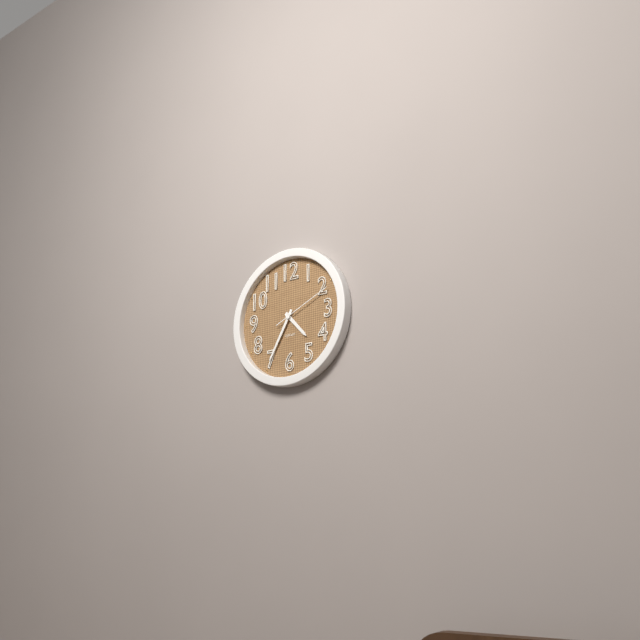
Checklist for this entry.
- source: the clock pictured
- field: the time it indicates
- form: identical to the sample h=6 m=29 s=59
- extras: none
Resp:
h=4 m=35 s=11
